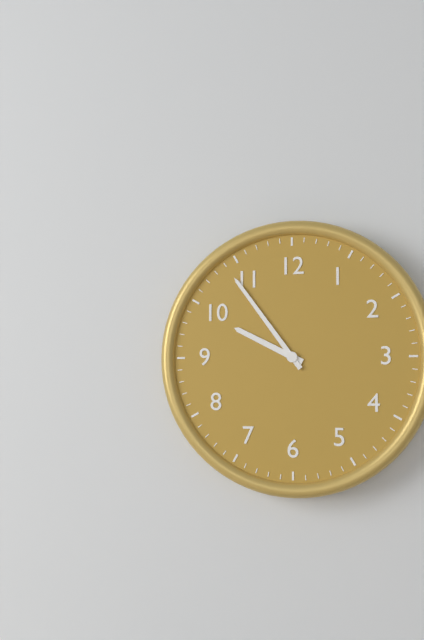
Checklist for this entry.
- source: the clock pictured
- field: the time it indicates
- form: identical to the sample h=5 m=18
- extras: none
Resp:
h=9 m=54
